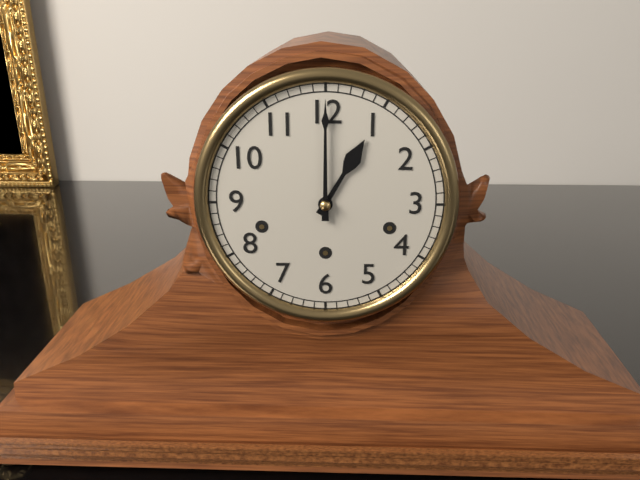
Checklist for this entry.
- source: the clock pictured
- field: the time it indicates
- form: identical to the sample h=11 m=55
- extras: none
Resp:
h=1 m=0
